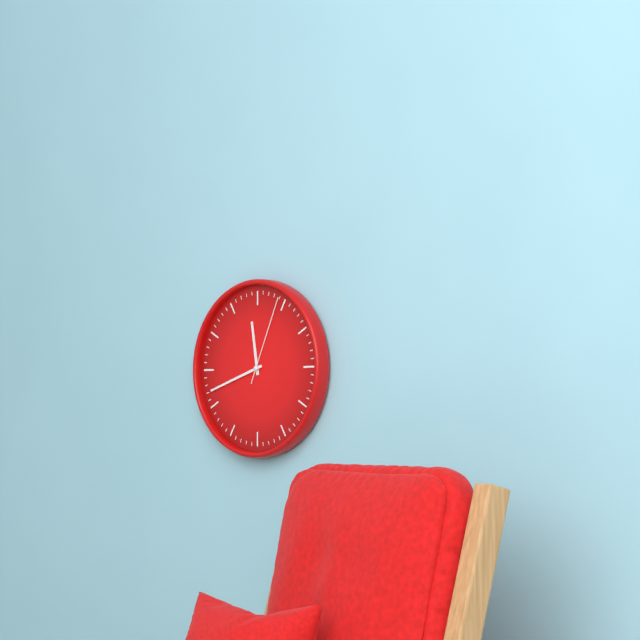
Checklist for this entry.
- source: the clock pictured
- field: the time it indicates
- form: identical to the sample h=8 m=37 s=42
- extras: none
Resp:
h=11 m=42 s=4
